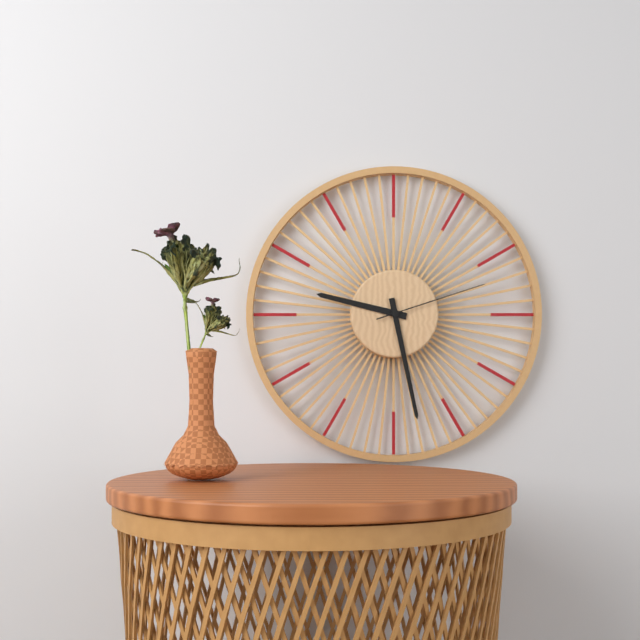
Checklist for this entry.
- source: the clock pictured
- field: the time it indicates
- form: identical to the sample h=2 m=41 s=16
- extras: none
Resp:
h=9 m=28 s=12
